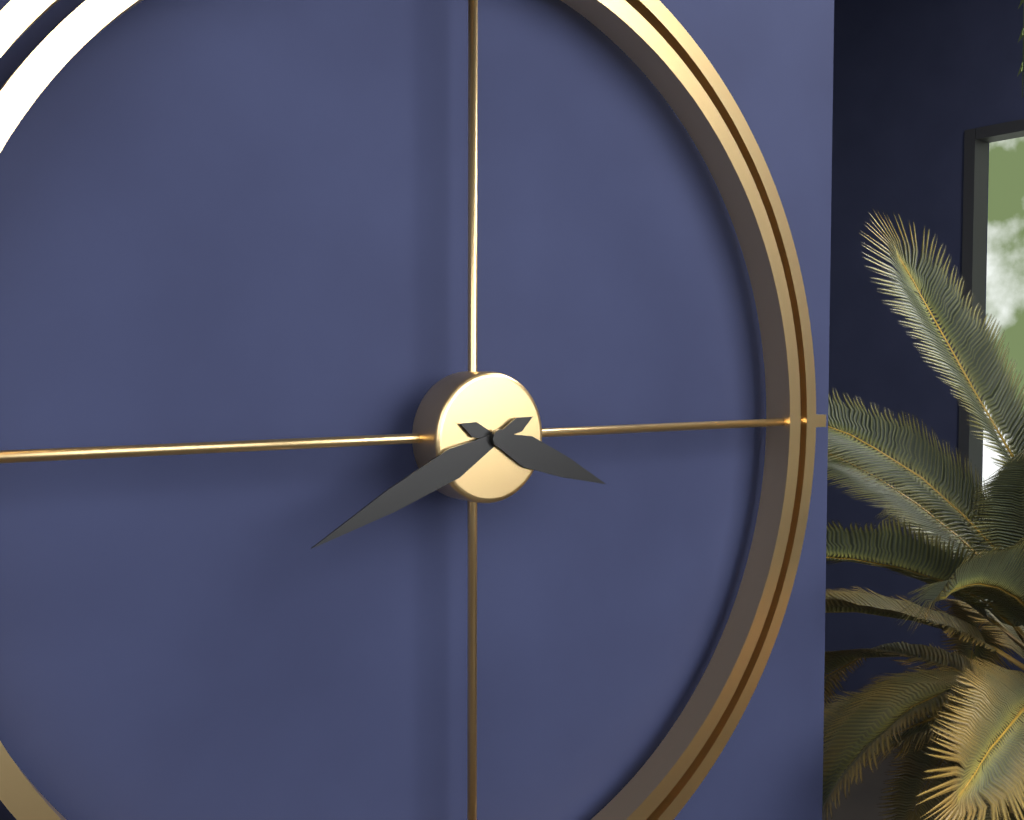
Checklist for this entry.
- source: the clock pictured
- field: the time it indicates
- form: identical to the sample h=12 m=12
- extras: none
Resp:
h=3 m=41
